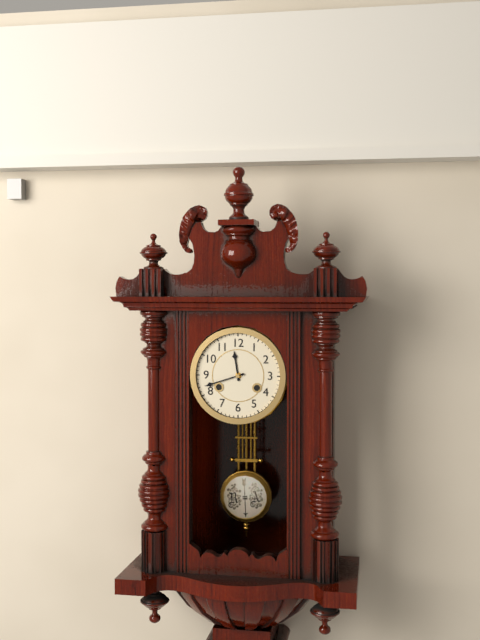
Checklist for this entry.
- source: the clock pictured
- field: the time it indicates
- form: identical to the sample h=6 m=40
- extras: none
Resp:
h=11 m=42
